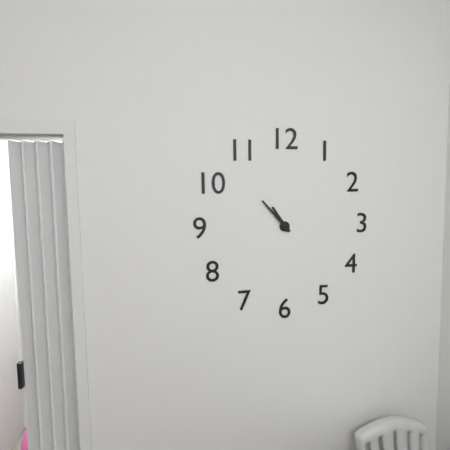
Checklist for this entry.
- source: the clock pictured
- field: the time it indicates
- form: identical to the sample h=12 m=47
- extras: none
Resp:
h=10 m=53
